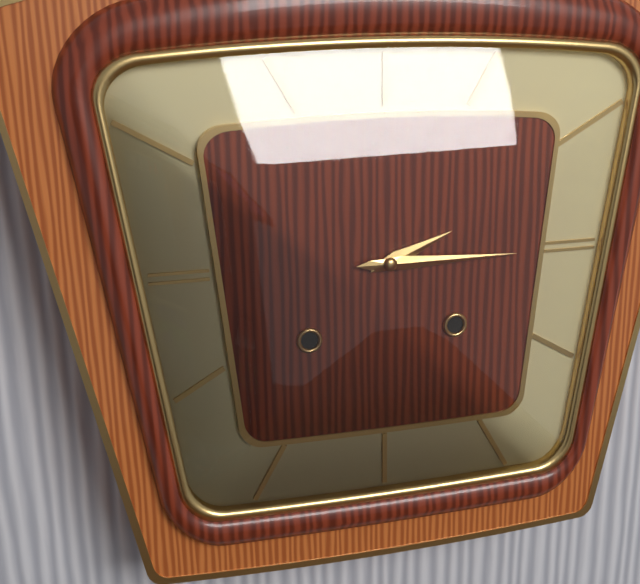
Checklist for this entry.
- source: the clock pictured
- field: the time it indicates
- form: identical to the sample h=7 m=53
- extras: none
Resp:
h=2 m=15
